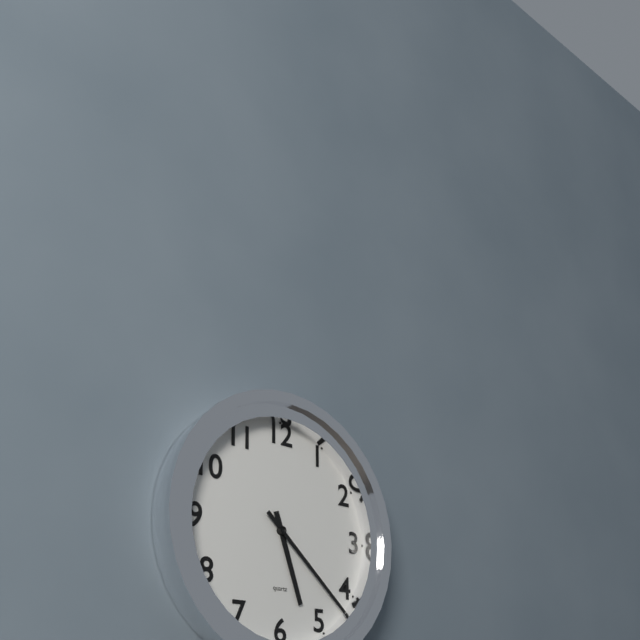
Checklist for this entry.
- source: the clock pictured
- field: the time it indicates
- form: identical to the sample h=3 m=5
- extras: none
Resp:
h=5 m=22
